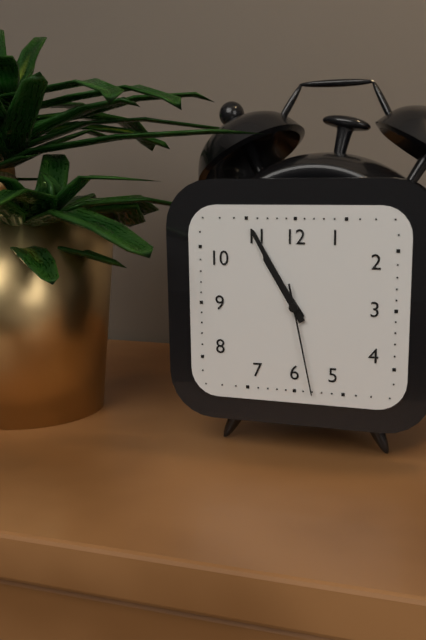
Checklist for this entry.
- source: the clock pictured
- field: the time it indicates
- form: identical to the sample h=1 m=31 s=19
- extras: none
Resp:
h=10 m=55 s=28
